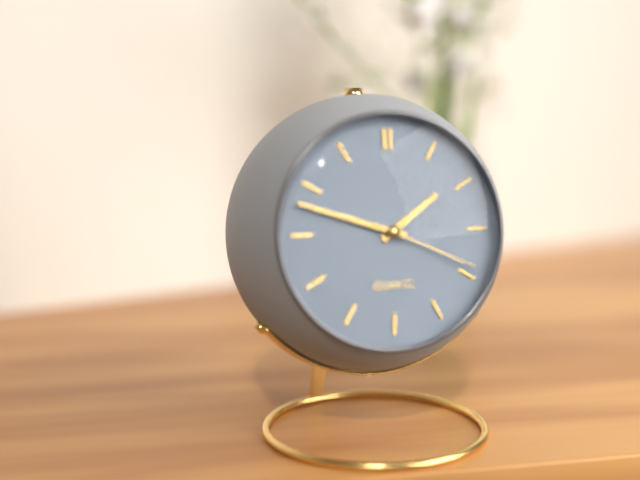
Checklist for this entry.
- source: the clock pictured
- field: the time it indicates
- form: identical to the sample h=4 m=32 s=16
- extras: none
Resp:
h=1 m=48 s=19
